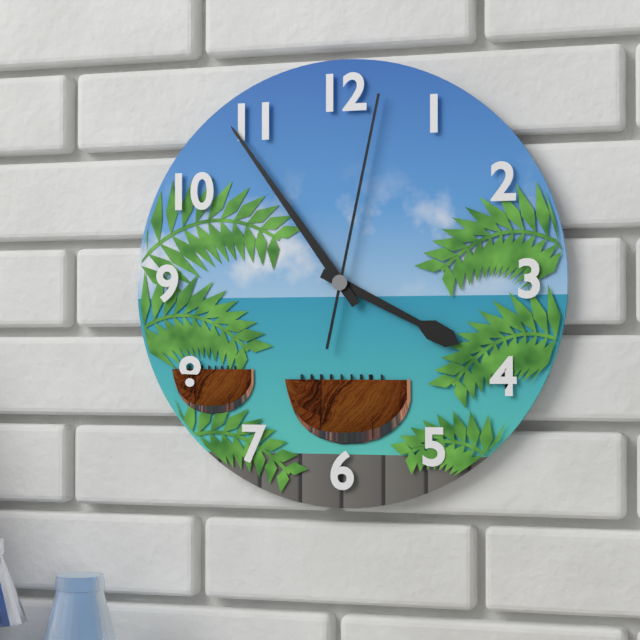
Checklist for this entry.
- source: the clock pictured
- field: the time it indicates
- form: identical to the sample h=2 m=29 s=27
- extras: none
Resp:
h=3 m=54 s=2
